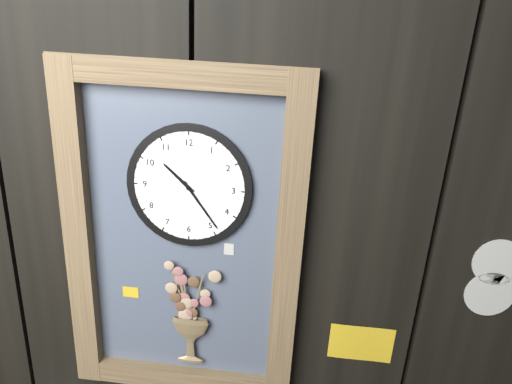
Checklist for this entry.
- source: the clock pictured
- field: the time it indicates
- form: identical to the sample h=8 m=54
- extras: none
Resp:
h=10 m=24
